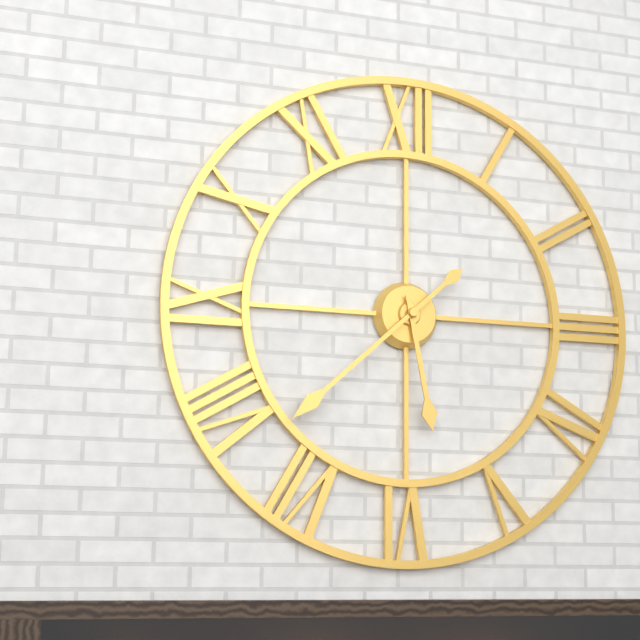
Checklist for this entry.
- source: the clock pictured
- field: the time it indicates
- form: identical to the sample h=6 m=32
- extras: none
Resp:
h=5 m=38
